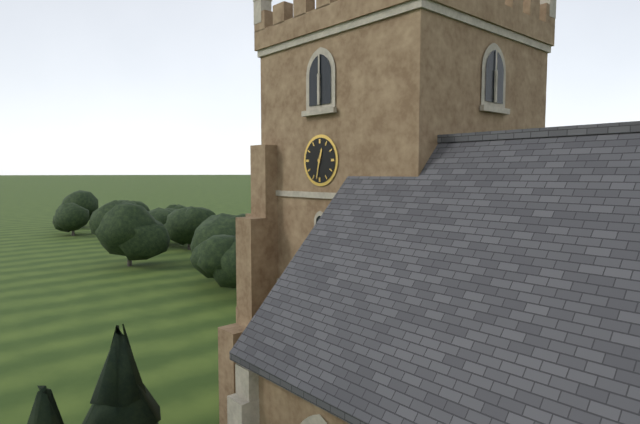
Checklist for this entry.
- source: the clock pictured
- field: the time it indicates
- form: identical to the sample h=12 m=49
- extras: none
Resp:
h=12 m=32
